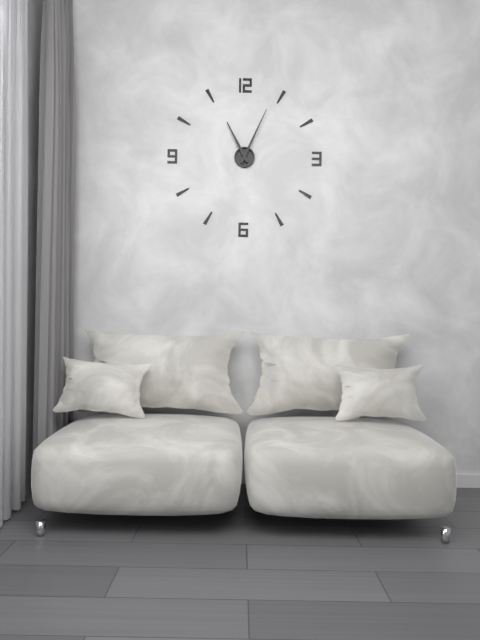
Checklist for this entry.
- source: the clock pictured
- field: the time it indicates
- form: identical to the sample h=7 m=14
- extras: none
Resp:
h=11 m=4
